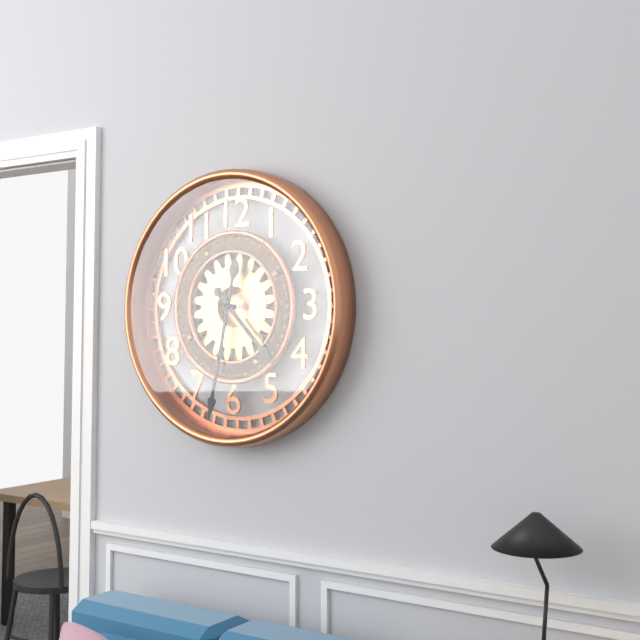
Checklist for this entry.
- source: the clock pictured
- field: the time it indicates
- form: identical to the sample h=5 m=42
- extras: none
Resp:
h=4 m=32
